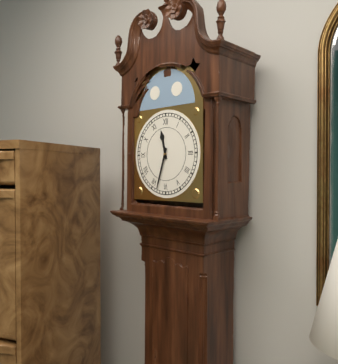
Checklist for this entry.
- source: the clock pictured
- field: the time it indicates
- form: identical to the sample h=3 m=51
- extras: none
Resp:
h=11 m=33
